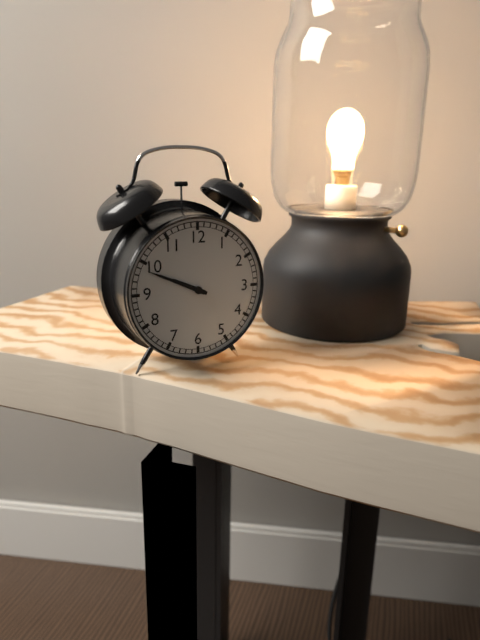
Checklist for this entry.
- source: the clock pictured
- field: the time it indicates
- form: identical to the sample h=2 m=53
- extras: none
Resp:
h=9 m=49
